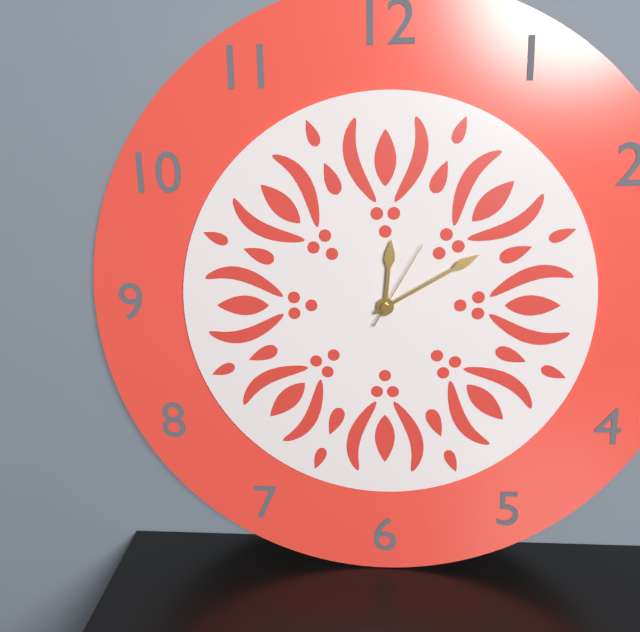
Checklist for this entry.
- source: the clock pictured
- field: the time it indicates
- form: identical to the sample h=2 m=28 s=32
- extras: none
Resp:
h=12 m=10 s=5
